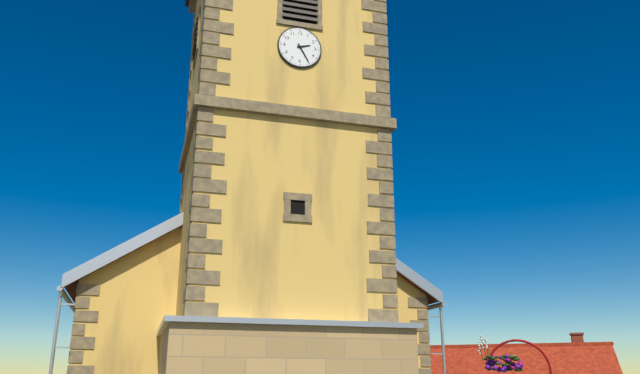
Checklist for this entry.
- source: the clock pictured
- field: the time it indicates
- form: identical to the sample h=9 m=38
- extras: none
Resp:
h=2 m=25
